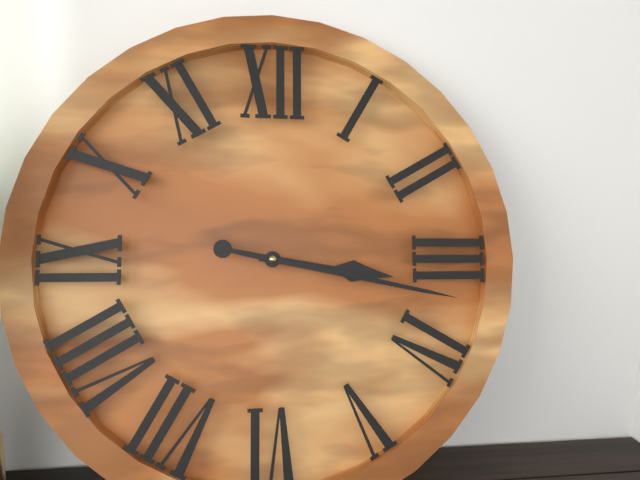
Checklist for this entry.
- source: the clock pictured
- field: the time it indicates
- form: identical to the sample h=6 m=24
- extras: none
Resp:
h=3 m=17
